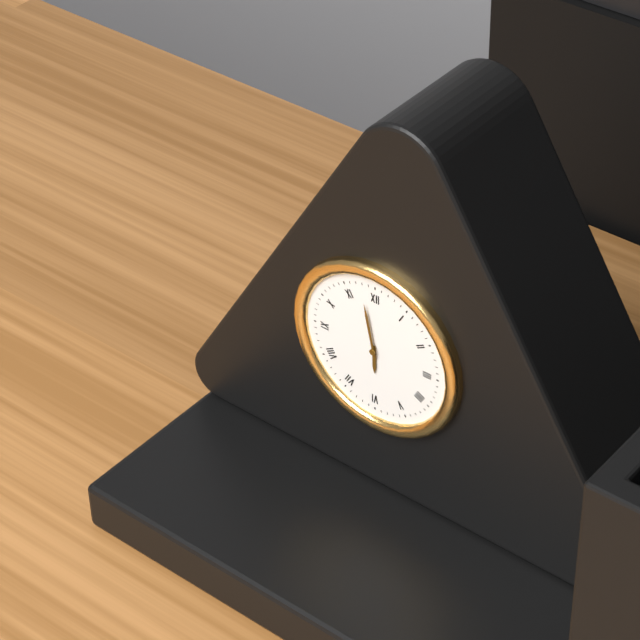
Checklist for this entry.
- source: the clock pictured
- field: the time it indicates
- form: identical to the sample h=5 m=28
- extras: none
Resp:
h=5 m=58
